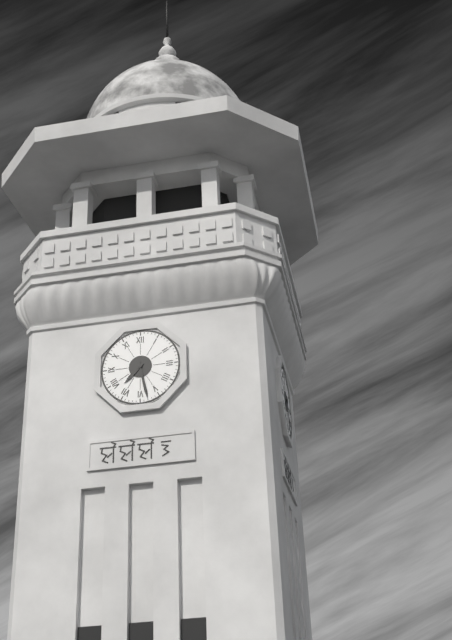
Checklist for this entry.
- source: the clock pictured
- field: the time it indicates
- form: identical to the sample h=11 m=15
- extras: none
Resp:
h=7 m=28
